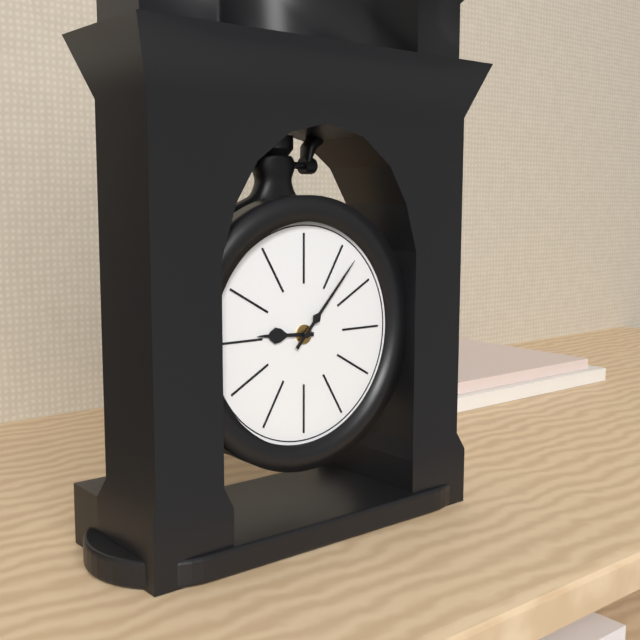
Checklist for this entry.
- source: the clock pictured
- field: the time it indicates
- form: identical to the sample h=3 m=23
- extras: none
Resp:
h=9 m=7
